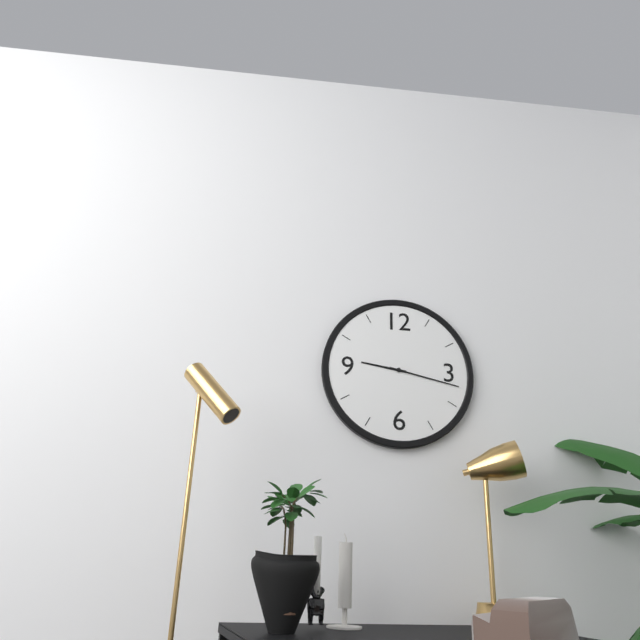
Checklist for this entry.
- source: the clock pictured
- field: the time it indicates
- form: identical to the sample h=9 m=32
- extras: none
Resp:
h=9 m=17
